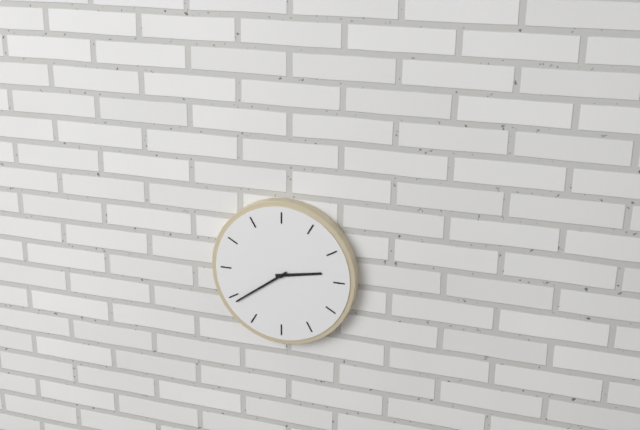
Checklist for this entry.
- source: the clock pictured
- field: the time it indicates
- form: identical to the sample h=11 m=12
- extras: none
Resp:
h=2 m=39
